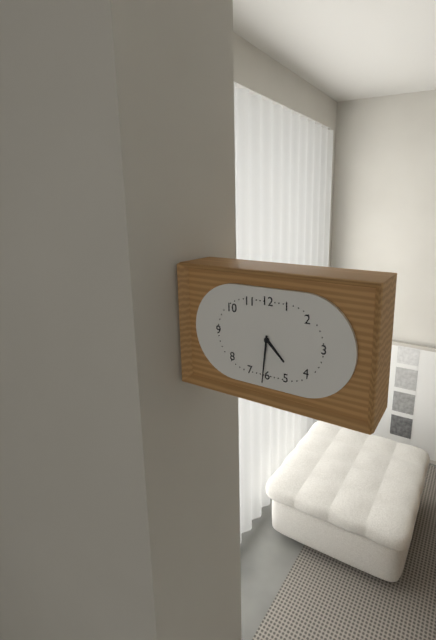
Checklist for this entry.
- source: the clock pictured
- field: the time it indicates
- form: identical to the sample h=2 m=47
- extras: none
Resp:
h=4 m=31
